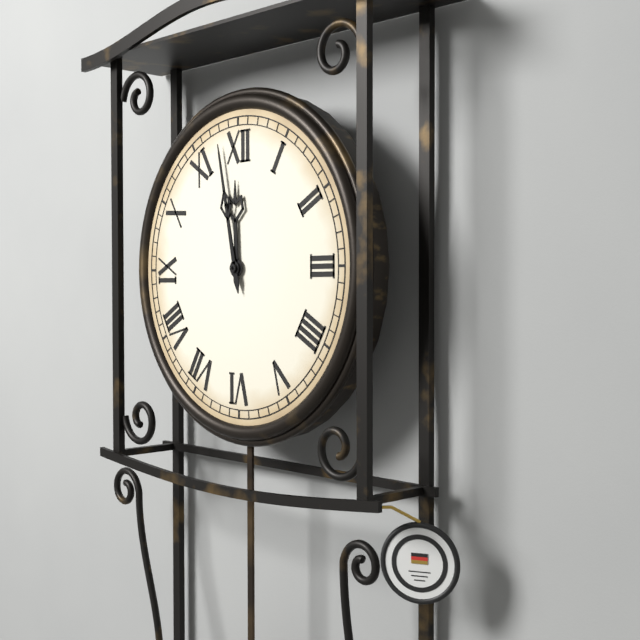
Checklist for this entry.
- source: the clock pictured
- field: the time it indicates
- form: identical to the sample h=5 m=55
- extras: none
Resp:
h=11 m=58
